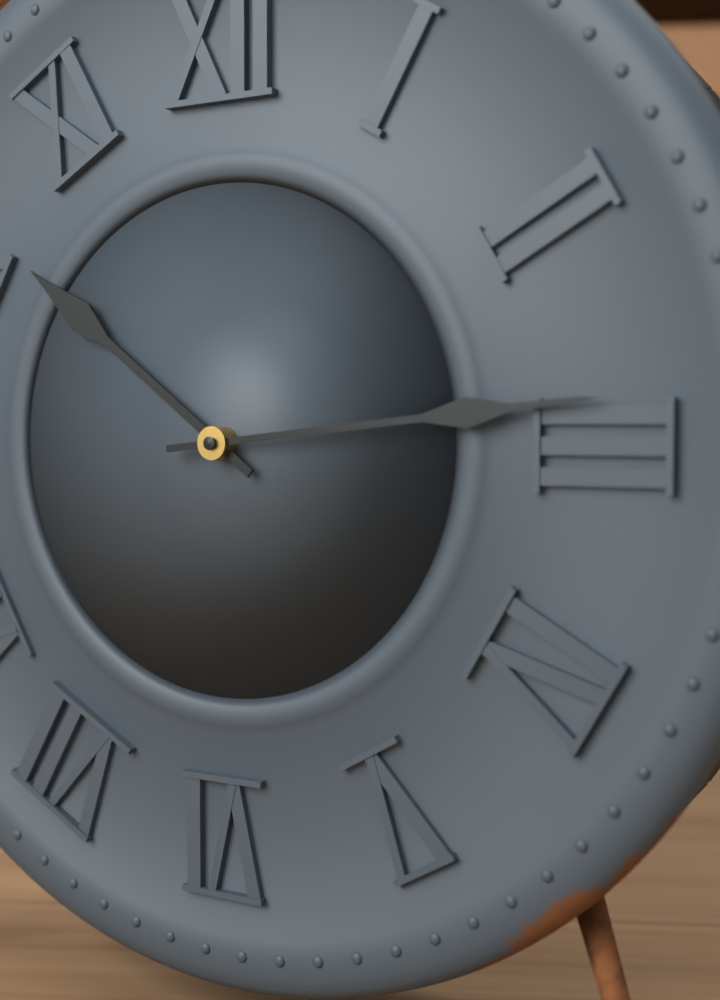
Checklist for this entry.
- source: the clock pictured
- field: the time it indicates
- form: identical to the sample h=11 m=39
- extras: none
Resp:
h=10 m=14
